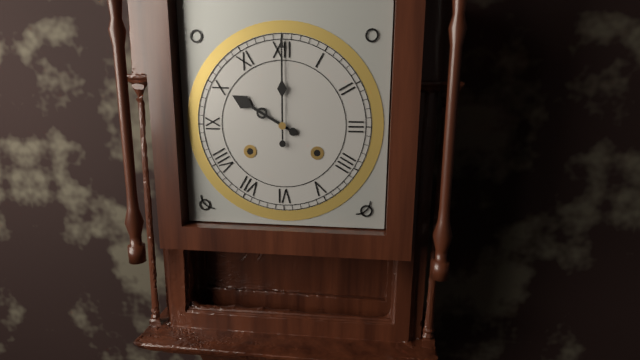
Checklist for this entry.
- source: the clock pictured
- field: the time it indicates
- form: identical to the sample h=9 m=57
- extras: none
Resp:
h=10 m=0
